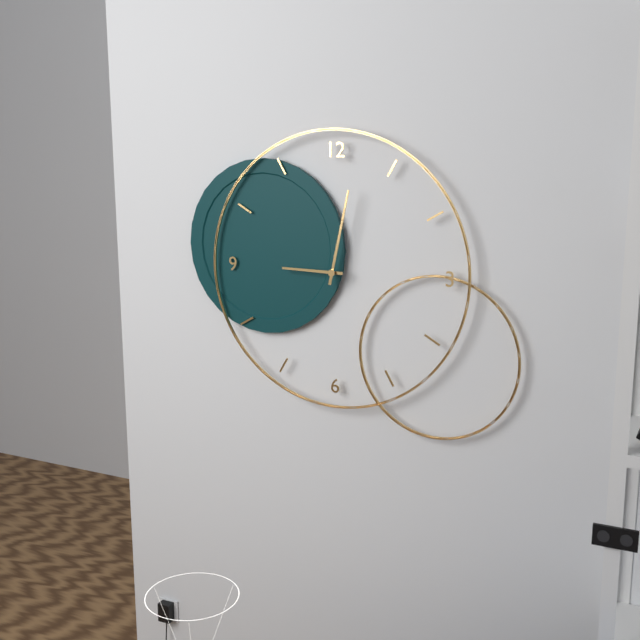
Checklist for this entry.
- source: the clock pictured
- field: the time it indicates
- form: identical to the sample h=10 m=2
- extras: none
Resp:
h=9 m=2
